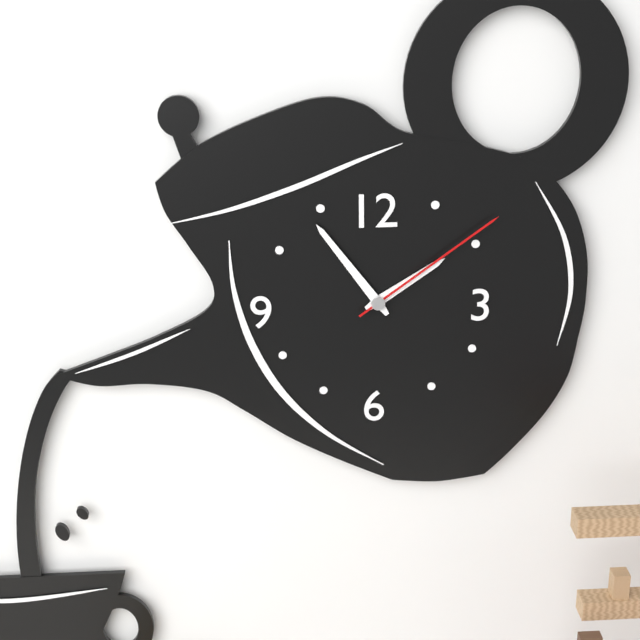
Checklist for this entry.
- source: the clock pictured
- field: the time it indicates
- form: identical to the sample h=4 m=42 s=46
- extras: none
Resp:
h=1 m=54 s=9
